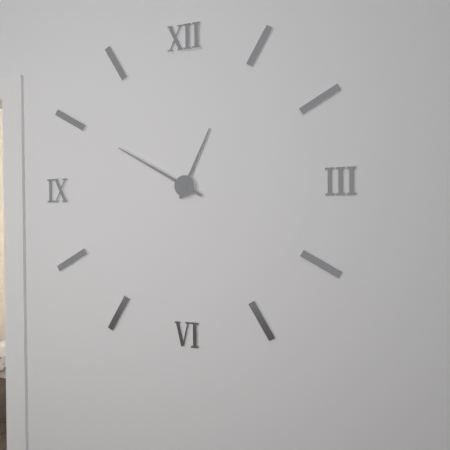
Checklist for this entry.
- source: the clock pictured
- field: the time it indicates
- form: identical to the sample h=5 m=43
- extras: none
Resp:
h=12 m=50
